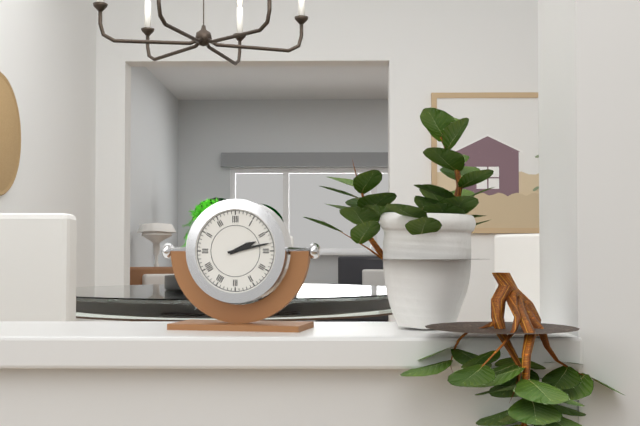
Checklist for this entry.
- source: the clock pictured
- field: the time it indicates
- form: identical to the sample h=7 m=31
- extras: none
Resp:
h=2 m=13
